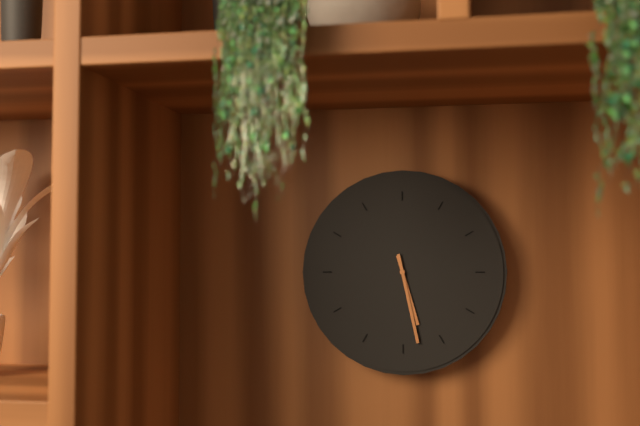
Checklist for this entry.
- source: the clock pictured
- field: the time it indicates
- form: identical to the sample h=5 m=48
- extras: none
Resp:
h=5 m=28
